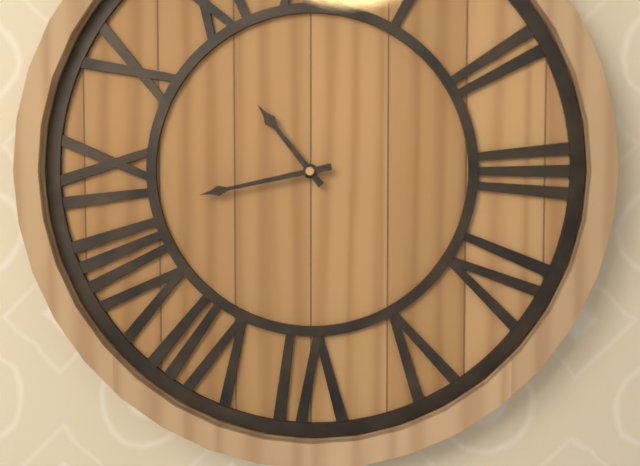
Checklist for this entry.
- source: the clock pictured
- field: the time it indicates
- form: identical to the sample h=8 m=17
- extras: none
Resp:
h=10 m=43
